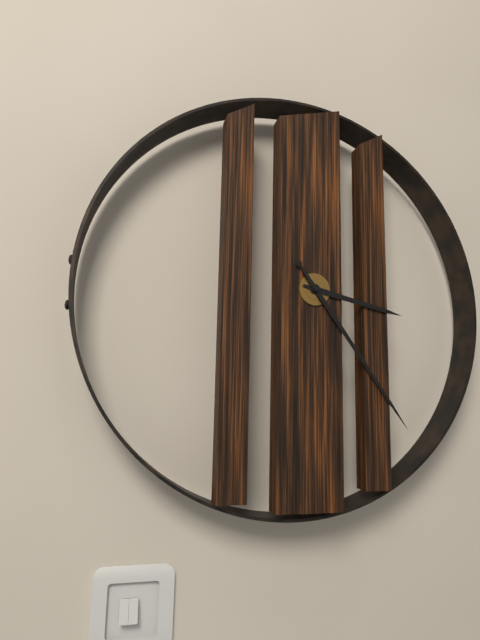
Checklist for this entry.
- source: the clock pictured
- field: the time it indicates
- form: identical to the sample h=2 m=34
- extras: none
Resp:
h=3 m=24
